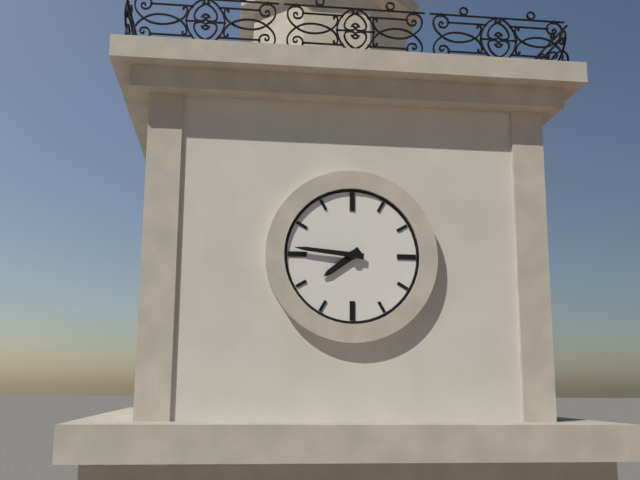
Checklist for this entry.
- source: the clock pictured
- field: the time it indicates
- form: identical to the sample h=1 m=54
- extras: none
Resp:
h=7 m=46
